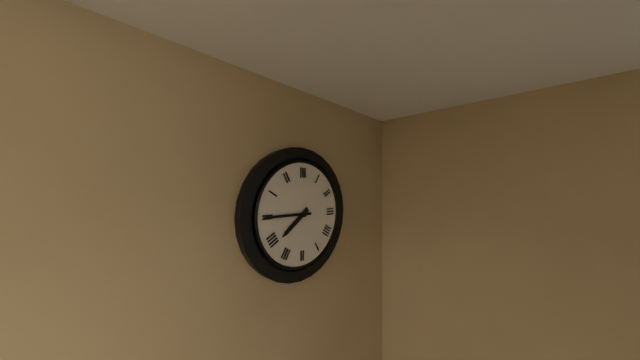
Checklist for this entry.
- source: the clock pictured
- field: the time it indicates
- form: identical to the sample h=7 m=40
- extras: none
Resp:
h=7 m=45
